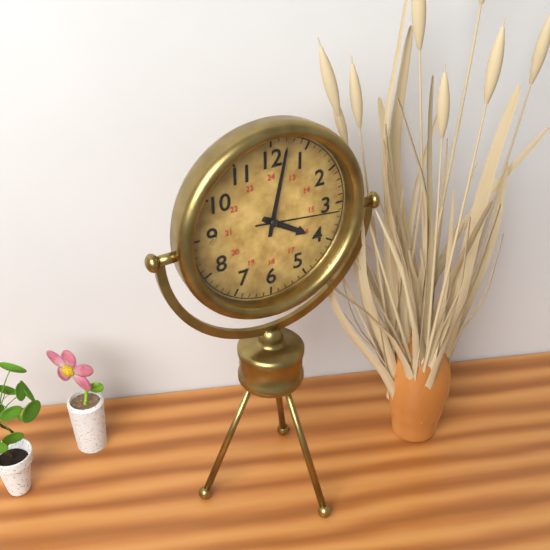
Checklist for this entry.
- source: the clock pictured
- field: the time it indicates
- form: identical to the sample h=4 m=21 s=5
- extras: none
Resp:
h=4 m=2 s=16
